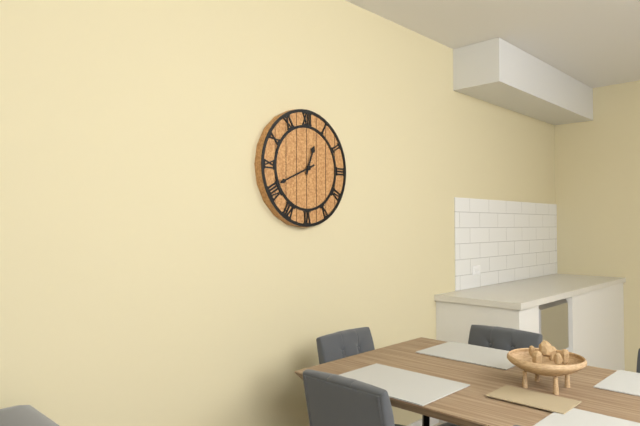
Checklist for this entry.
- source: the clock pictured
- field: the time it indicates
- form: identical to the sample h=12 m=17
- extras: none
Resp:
h=12 m=41
